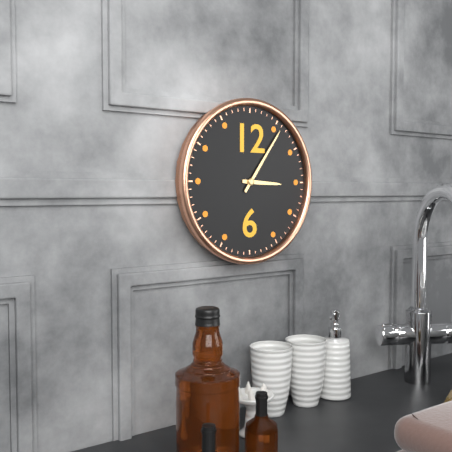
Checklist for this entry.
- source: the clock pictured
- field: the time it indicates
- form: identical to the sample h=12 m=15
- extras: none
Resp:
h=3 m=6
